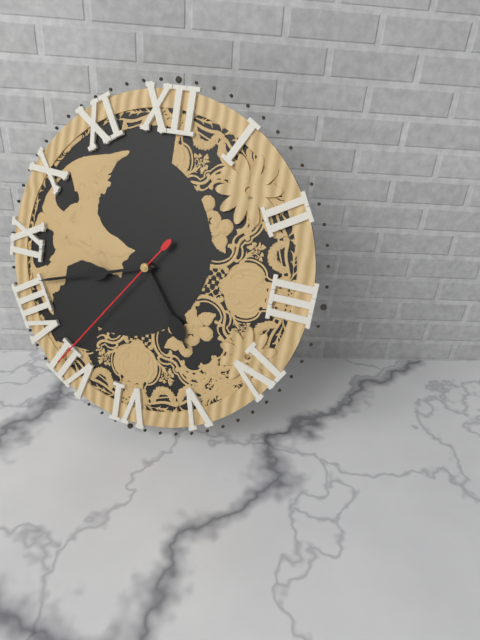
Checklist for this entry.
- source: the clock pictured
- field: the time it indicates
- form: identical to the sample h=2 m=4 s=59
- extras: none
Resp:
h=4 m=42 s=36
